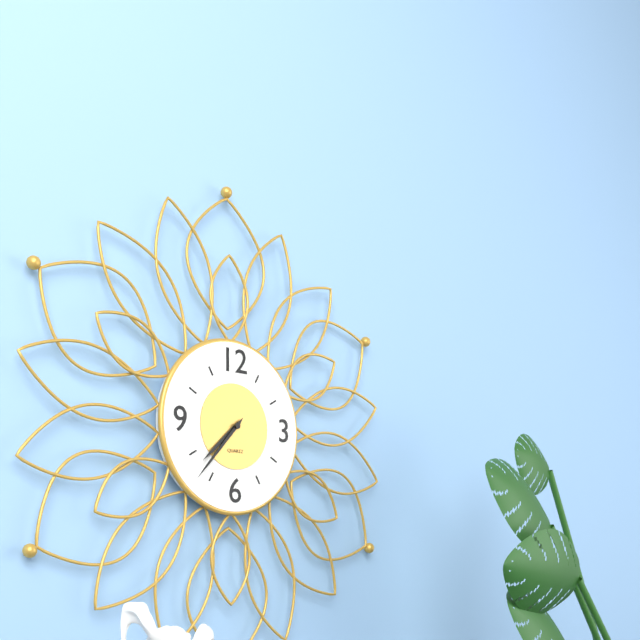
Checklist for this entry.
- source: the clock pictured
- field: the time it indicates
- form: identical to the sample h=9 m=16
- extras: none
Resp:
h=7 m=37
